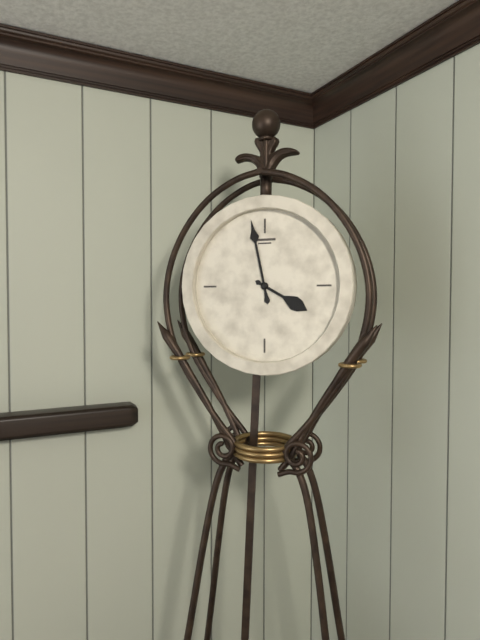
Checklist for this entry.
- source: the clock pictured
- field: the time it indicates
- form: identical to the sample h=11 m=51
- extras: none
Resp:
h=3 m=58
